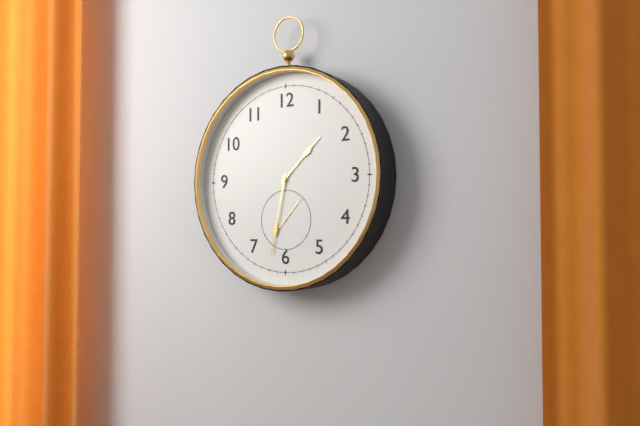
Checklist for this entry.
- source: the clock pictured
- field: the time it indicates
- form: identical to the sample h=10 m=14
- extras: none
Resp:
h=1 m=32
